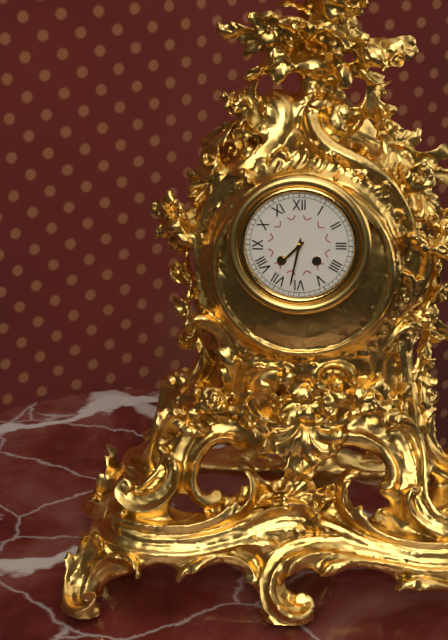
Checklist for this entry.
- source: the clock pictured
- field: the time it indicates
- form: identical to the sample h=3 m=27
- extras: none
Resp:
h=7 m=32
